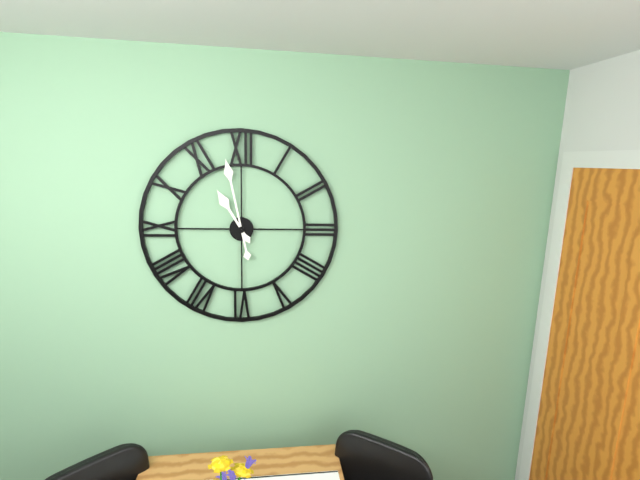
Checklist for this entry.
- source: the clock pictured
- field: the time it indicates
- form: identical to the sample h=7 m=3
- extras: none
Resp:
h=10 m=58
